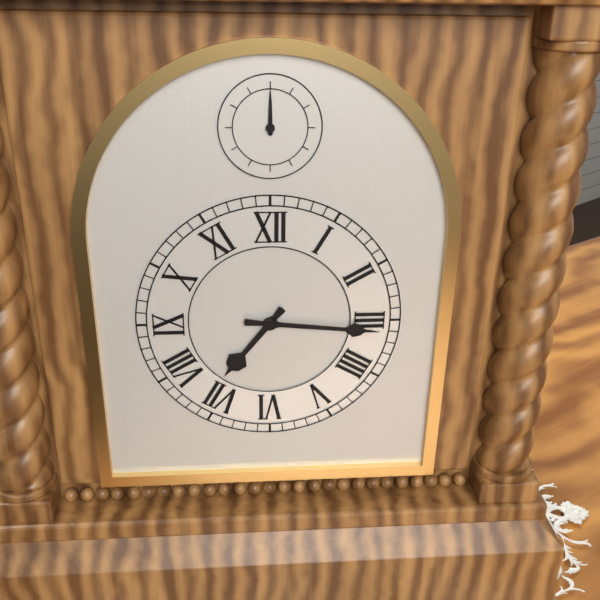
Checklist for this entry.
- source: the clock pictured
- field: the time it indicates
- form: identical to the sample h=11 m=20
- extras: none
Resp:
h=7 m=16
